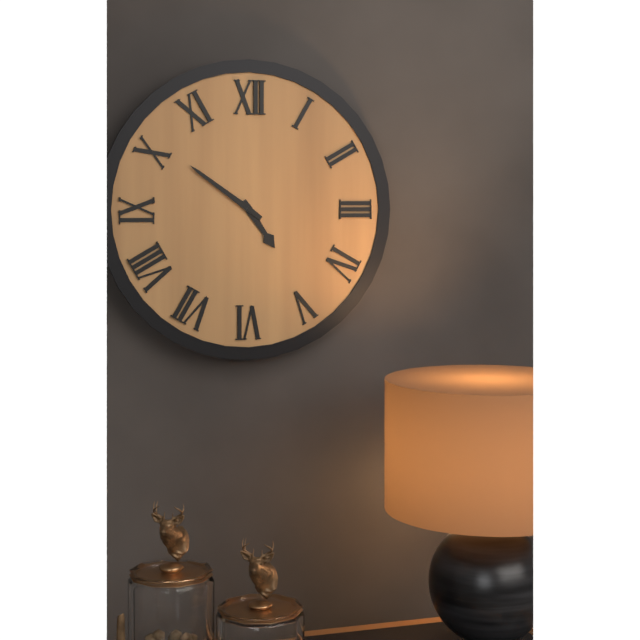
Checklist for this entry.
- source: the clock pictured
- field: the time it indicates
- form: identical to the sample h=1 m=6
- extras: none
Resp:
h=4 m=51
